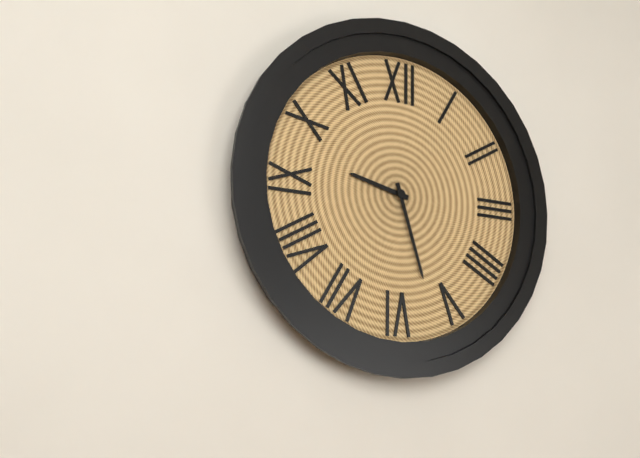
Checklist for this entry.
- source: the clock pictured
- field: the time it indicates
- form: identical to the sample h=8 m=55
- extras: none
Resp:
h=9 m=27
